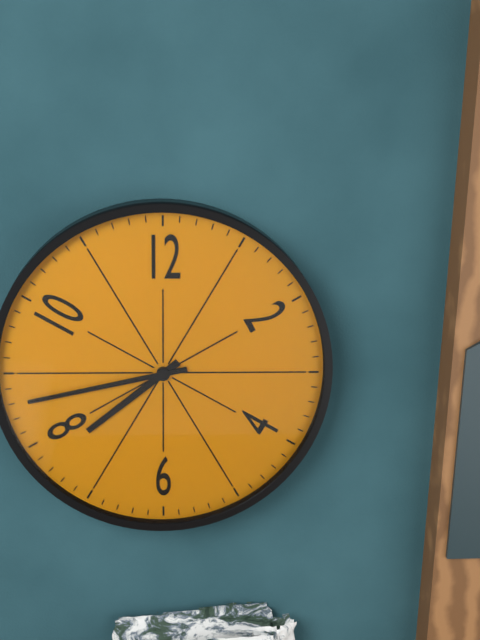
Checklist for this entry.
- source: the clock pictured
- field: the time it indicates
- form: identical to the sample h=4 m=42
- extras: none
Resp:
h=7 m=43
